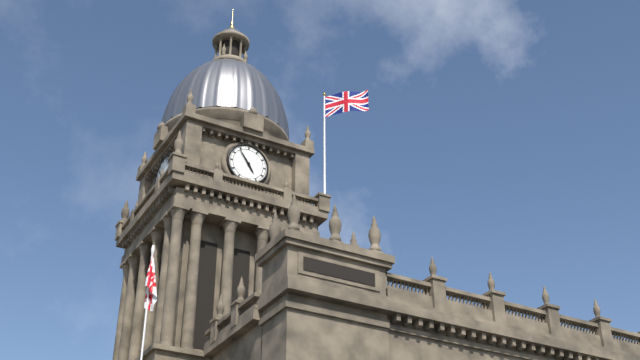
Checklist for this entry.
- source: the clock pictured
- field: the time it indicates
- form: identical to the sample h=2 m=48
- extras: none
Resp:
h=4 m=54
